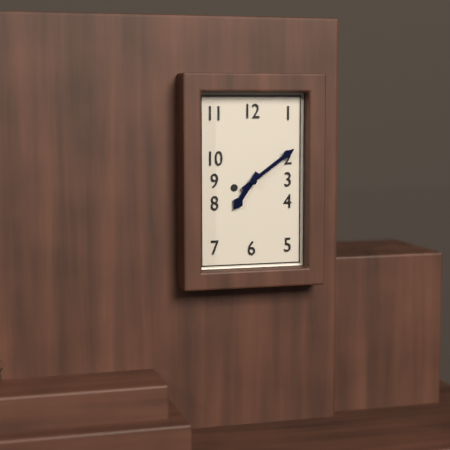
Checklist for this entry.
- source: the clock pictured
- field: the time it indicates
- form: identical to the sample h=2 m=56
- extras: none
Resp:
h=7 m=9
